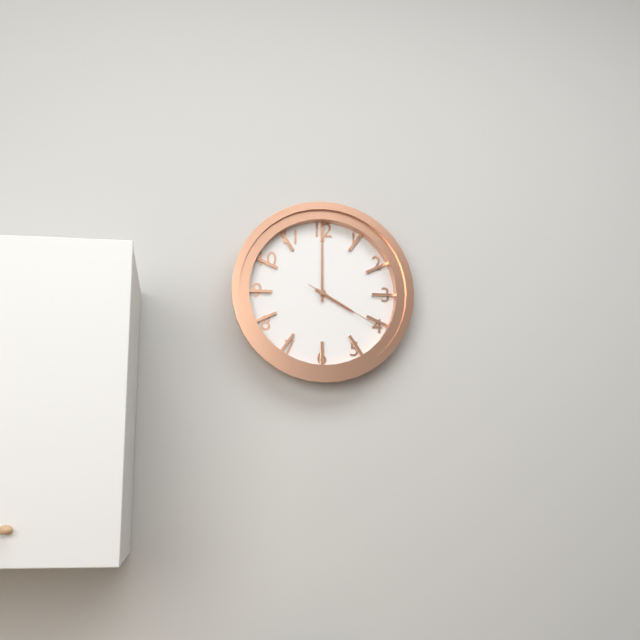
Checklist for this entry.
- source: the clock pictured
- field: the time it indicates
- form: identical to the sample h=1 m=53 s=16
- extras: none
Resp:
h=4 m=0 s=20
